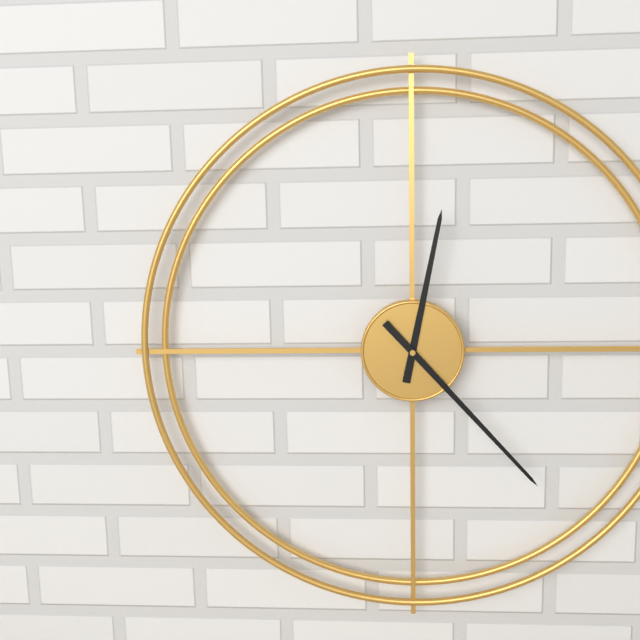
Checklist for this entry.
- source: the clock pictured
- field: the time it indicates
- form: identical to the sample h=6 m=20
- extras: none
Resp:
h=12 m=23
